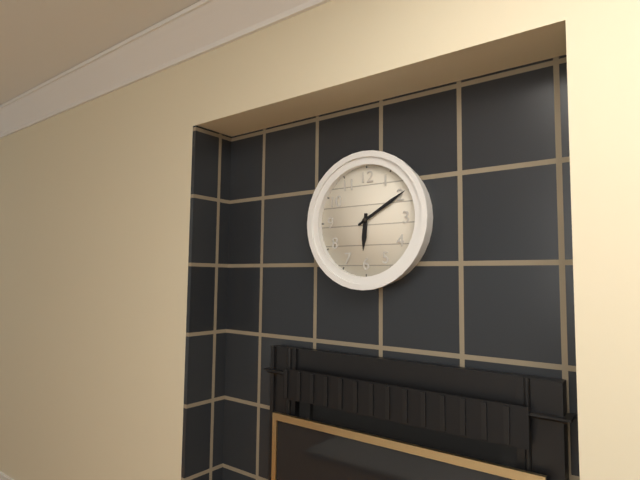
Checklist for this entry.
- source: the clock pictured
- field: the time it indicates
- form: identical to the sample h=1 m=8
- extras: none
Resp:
h=6 m=10
